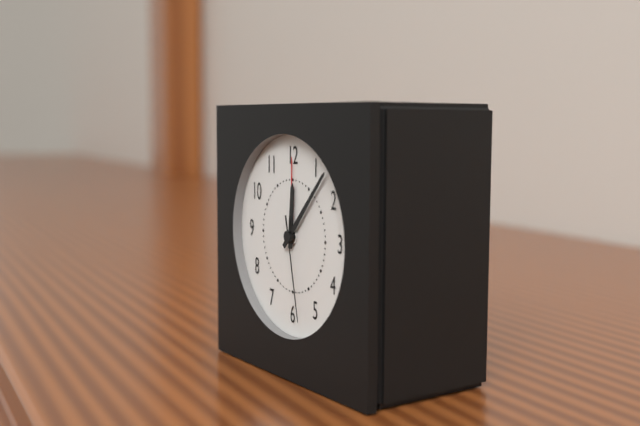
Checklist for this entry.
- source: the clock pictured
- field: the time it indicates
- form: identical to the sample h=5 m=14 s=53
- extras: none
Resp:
h=12 m=7 s=28
